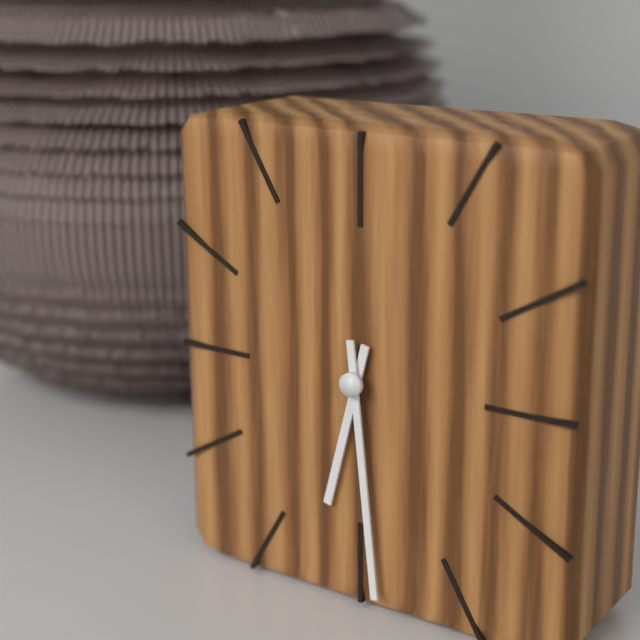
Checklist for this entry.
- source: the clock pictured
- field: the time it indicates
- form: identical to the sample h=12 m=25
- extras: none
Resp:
h=6 m=29
